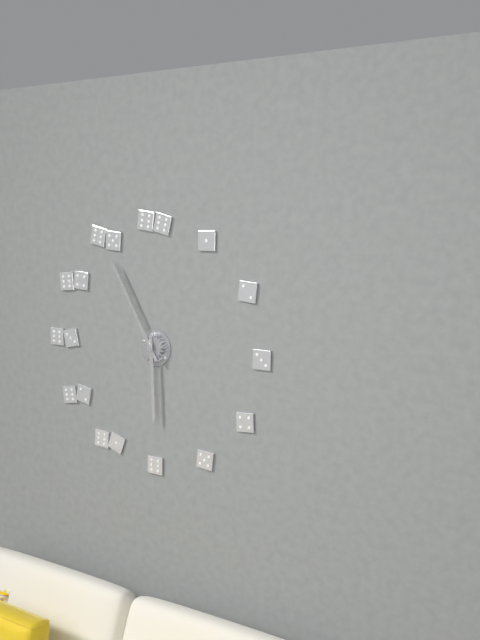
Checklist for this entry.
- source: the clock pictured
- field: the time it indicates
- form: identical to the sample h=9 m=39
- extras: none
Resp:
h=5 m=55
